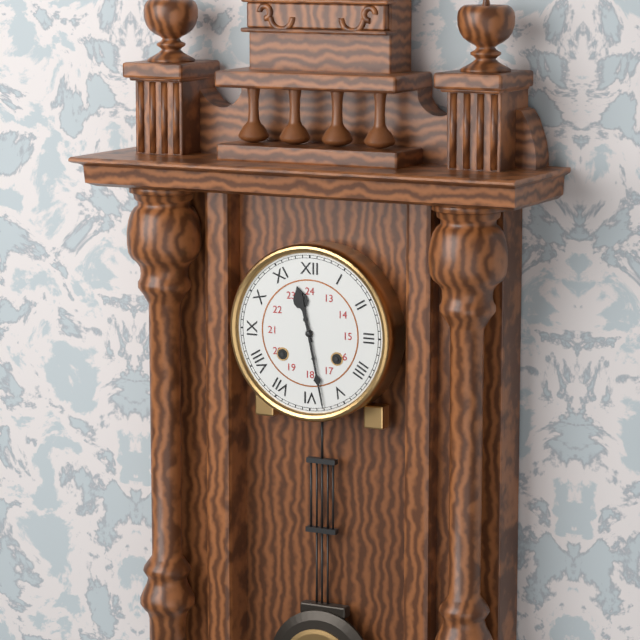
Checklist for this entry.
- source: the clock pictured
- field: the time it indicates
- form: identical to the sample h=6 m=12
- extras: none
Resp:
h=11 m=28
